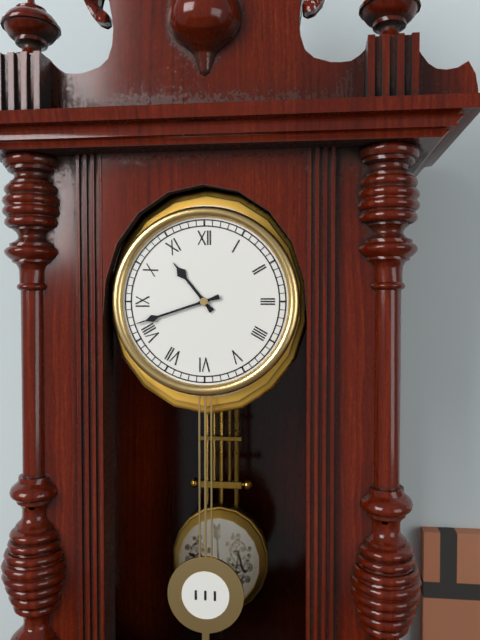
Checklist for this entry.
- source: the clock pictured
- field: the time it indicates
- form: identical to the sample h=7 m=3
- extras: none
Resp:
h=10 m=42
